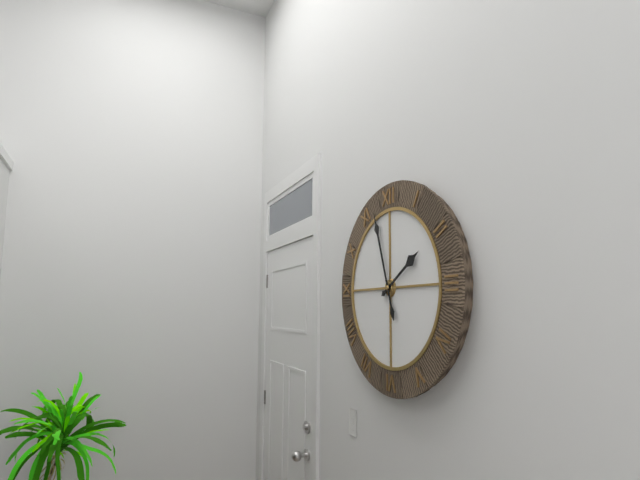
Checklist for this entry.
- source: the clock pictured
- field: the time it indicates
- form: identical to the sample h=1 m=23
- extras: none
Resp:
h=1 m=57
